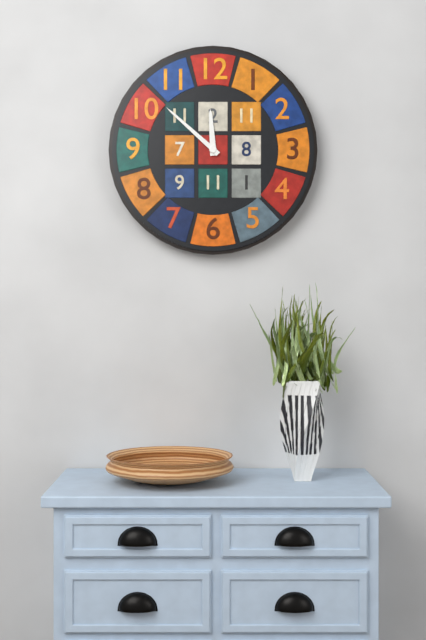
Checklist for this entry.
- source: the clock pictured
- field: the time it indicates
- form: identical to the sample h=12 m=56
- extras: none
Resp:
h=11 m=52
